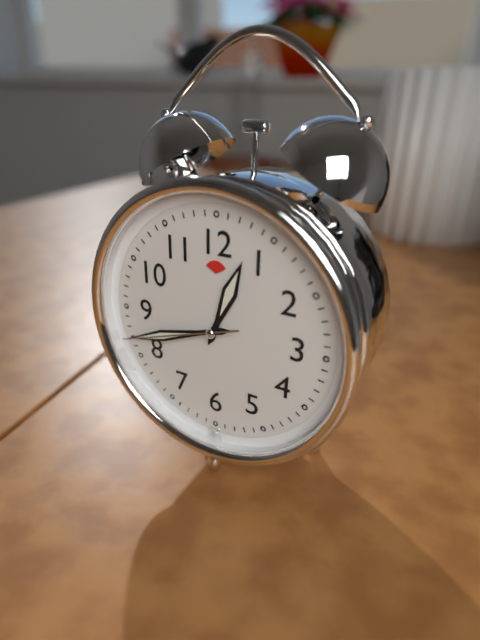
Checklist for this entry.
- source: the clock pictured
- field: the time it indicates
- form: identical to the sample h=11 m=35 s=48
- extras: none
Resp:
h=12 m=42 s=42
